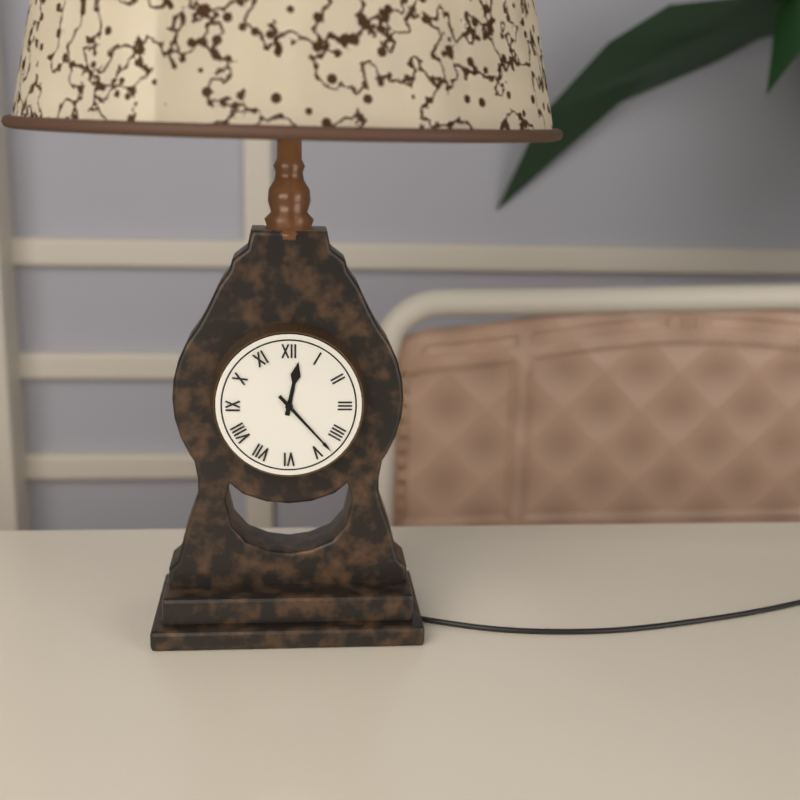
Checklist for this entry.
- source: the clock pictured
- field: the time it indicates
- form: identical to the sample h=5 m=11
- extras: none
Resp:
h=12 m=23
